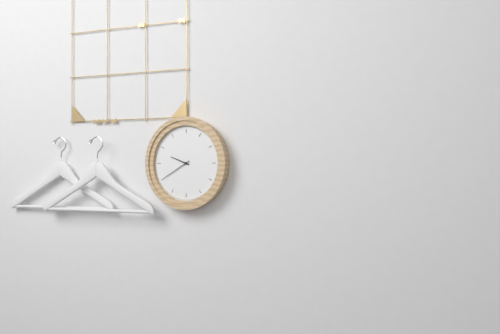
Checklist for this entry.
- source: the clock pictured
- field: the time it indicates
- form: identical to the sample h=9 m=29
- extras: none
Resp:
h=9 m=40
